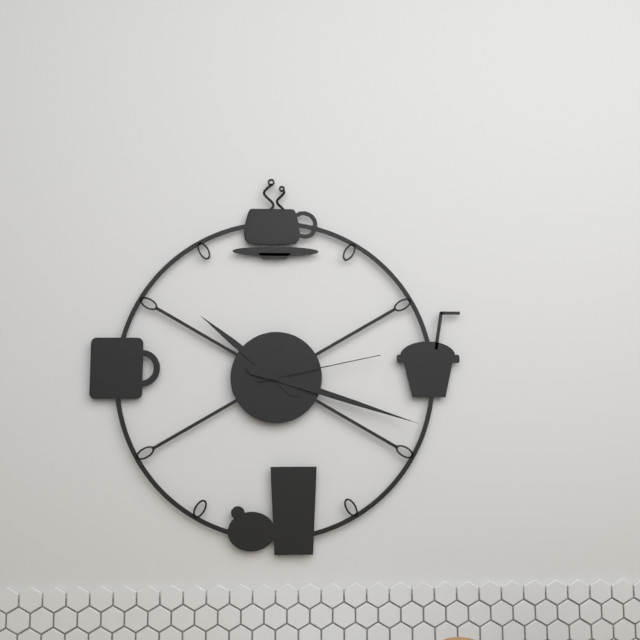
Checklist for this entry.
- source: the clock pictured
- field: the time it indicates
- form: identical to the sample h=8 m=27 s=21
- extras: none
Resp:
h=10 m=18 s=13
